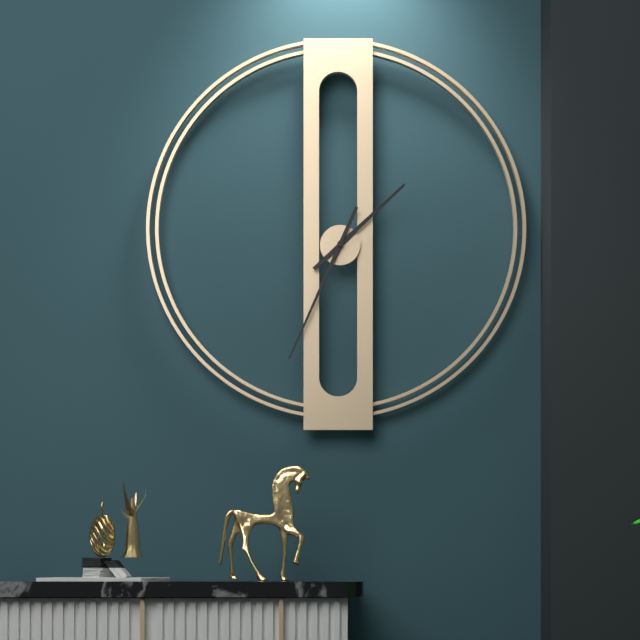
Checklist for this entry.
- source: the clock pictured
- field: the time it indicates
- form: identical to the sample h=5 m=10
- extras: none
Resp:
h=1 m=34
